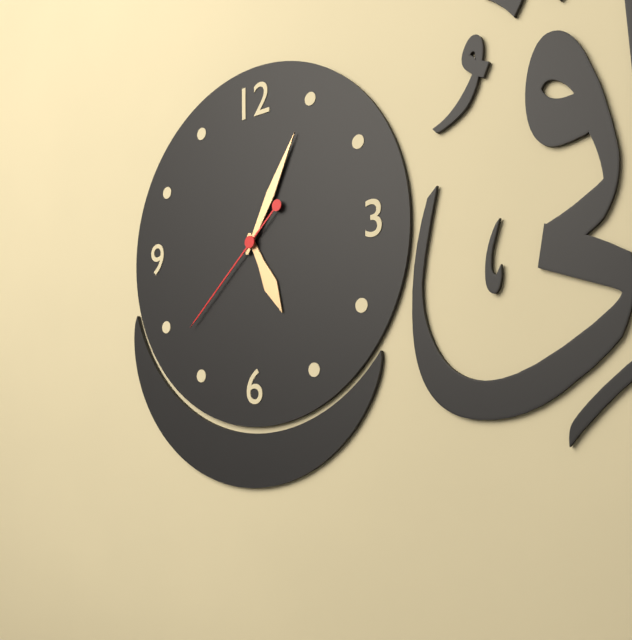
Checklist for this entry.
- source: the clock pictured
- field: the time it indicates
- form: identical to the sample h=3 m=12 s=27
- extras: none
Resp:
h=5 m=5 s=38
